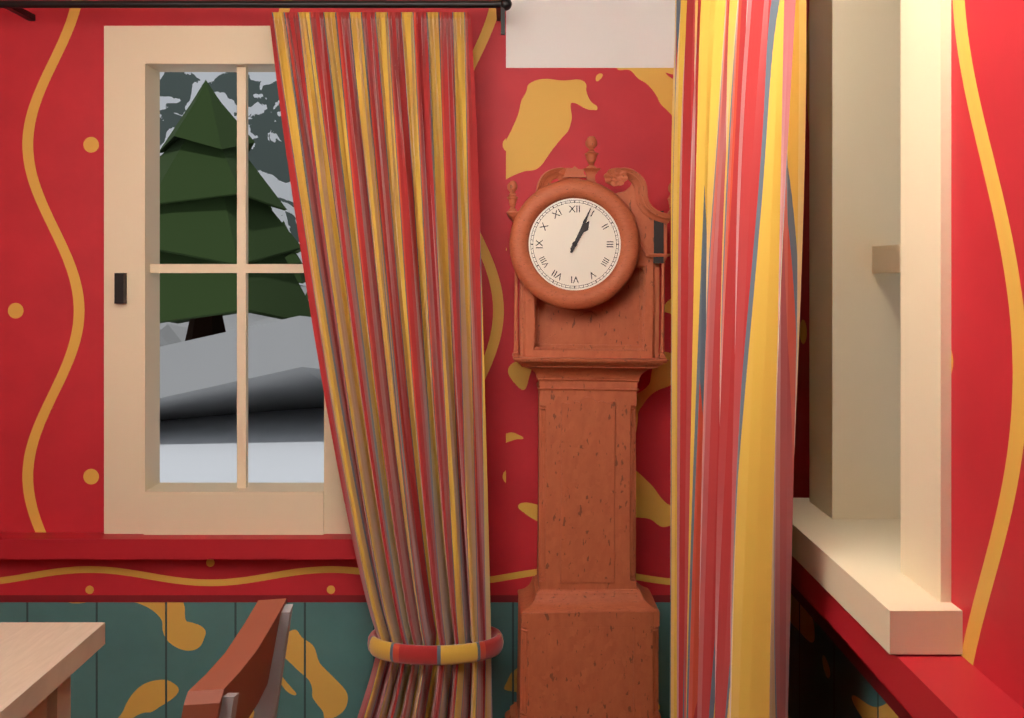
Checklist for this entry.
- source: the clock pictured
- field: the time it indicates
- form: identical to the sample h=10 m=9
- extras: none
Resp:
h=1 m=4
